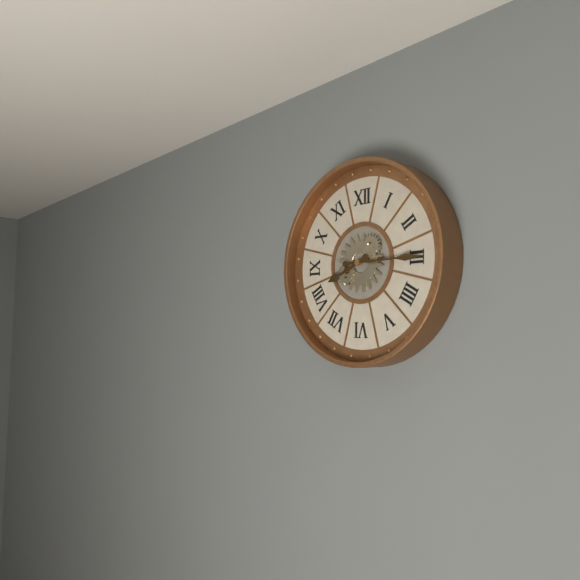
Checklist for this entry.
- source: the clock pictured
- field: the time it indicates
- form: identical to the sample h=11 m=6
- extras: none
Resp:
h=8 m=15
